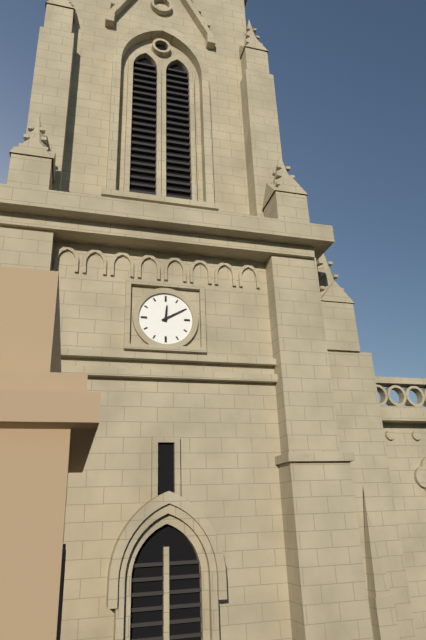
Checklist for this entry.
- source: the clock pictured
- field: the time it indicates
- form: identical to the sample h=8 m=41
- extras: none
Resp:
h=12 m=10
